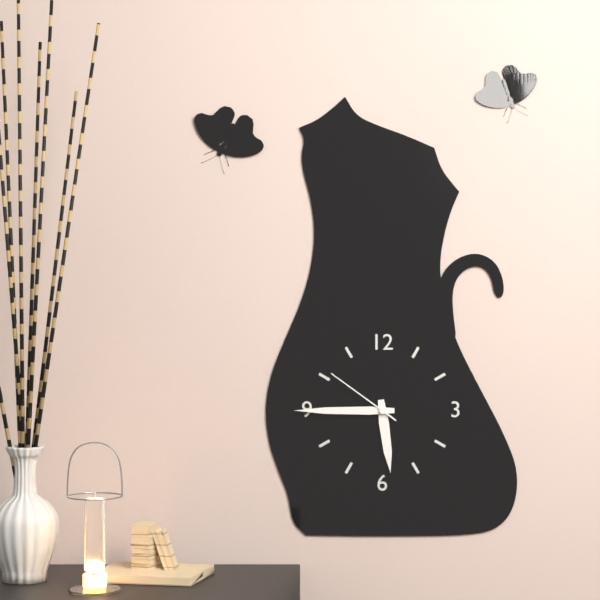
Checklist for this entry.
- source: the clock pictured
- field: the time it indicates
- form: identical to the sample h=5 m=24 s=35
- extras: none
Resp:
h=5 m=45 s=51
